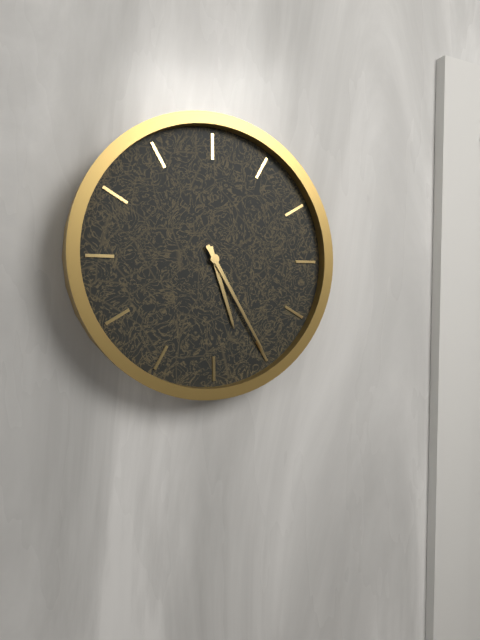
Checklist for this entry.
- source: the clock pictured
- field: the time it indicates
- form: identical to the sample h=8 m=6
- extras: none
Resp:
h=5 m=25
